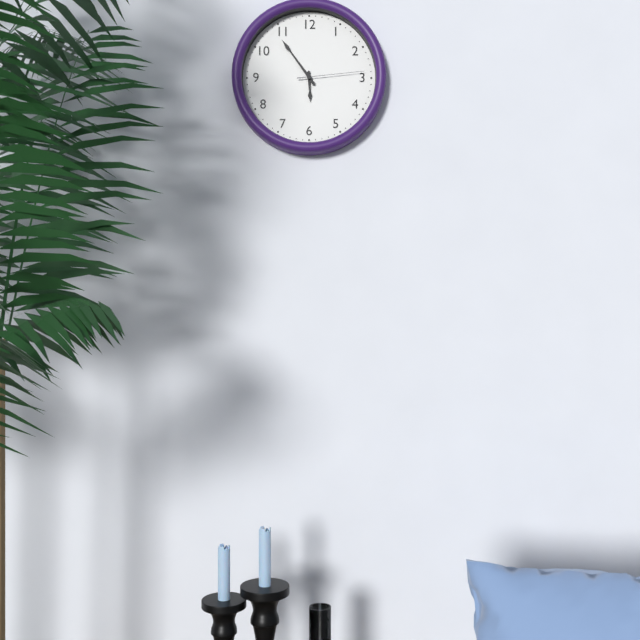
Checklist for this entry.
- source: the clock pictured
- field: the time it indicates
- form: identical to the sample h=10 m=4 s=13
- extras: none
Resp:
h=5 m=54 s=14
